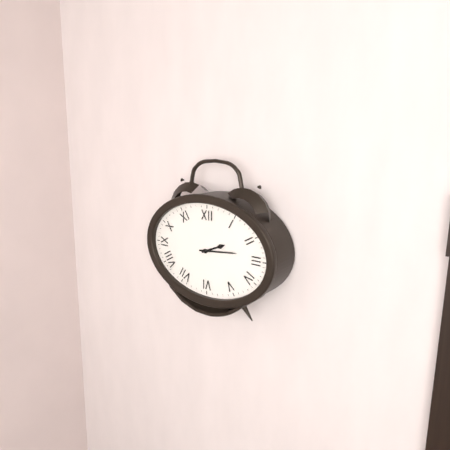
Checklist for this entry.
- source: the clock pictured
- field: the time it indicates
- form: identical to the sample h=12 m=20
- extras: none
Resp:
h=2 m=14
